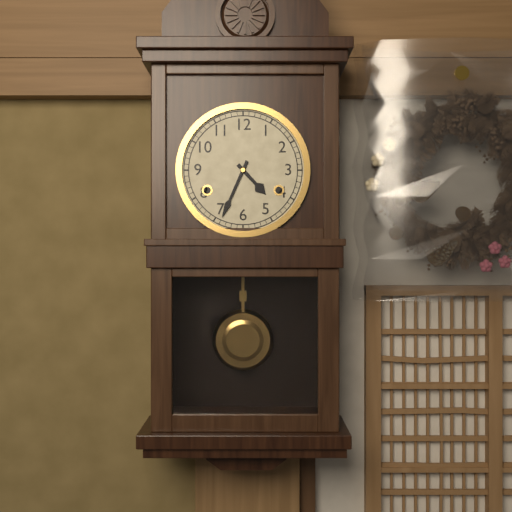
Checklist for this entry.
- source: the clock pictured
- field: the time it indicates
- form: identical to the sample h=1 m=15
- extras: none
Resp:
h=4 m=34
